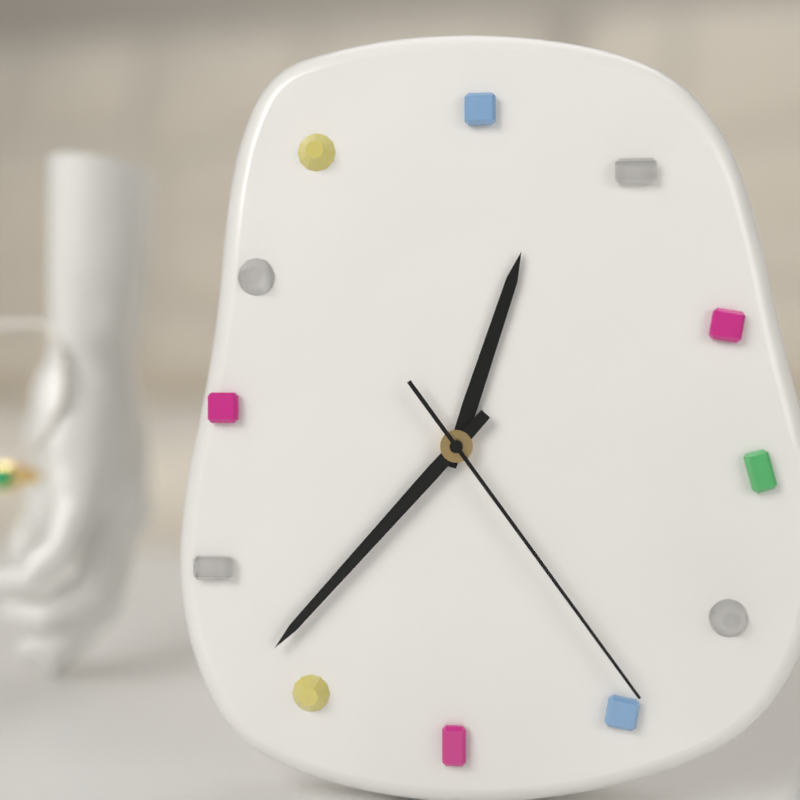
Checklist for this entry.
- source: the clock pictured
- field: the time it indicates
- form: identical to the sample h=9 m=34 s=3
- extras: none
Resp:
h=12 m=37 s=24
